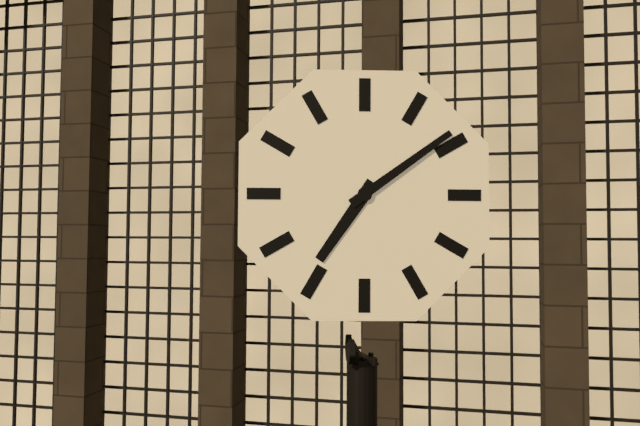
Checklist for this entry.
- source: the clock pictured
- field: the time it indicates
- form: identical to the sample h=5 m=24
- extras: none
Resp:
h=7 m=9
